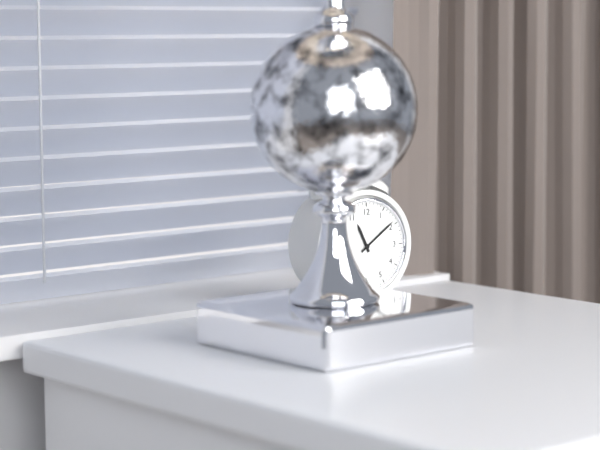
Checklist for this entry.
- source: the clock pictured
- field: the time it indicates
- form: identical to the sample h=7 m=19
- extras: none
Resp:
h=11 m=9
